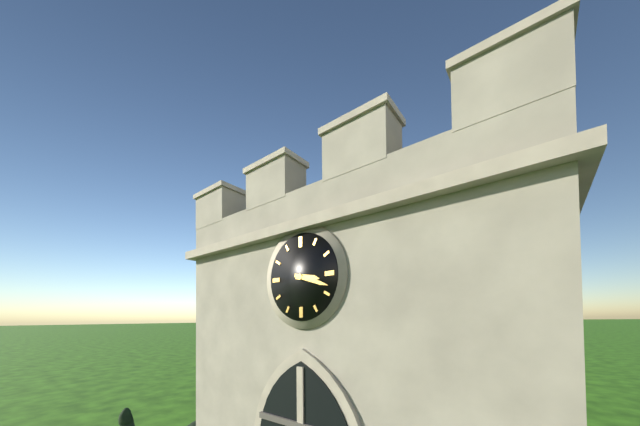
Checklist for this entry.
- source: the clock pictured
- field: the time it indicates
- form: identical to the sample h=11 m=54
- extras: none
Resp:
h=3 m=18
